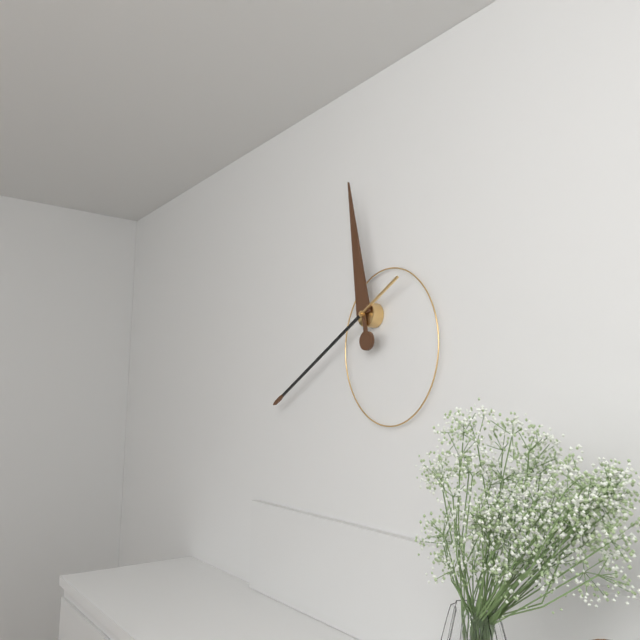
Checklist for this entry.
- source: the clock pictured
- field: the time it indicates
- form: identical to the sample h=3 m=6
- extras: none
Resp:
h=11 m=40
